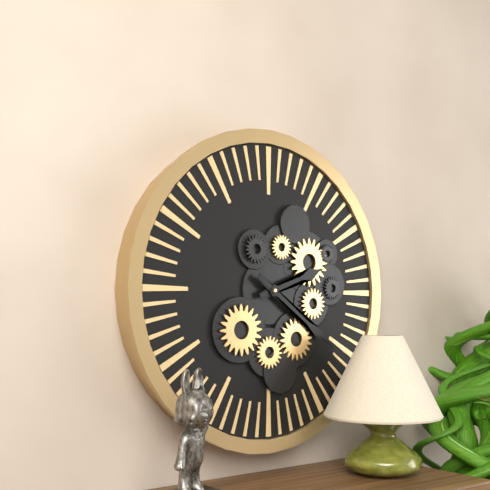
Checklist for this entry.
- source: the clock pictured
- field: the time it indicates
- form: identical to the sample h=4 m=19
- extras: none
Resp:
h=2 m=21
